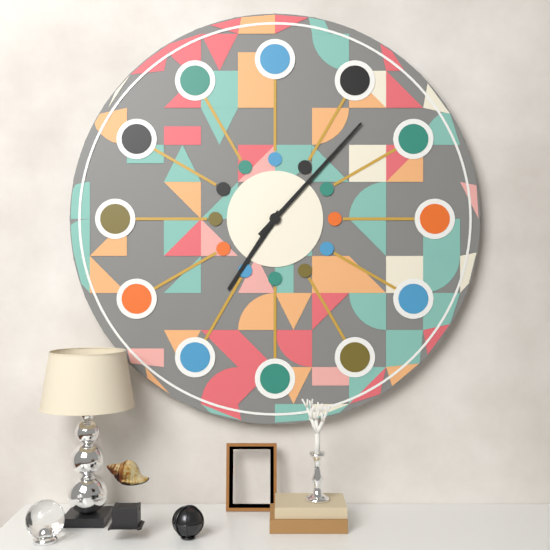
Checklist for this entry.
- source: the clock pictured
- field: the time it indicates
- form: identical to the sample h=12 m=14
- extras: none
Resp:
h=7 m=7
